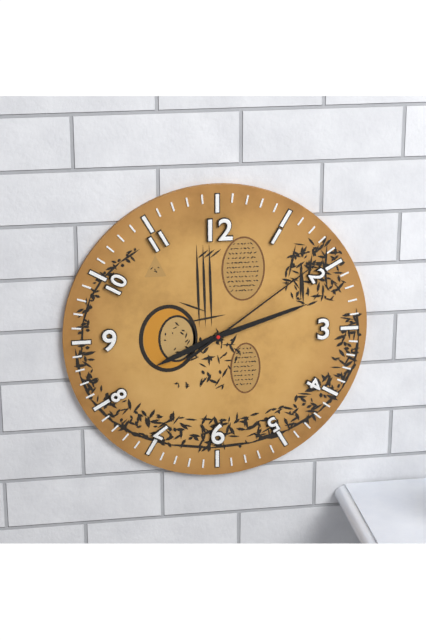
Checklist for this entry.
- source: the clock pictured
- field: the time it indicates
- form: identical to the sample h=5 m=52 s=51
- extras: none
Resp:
h=8 m=12 s=9
